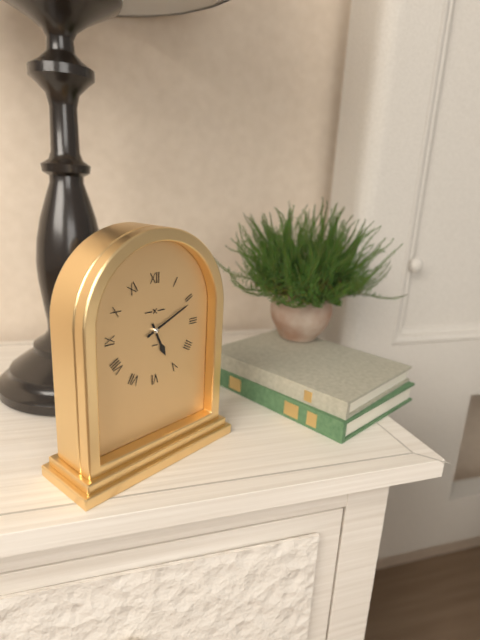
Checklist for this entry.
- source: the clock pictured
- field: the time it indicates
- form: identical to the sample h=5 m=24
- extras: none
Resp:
h=5 m=11
